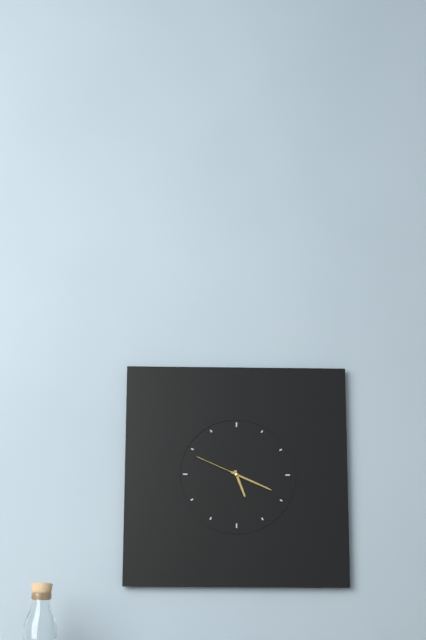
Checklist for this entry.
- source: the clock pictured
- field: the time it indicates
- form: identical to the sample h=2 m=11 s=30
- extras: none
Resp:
h=5 m=19 s=49
